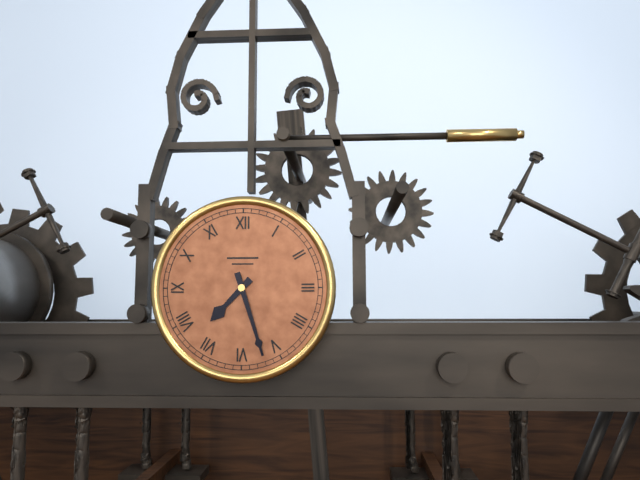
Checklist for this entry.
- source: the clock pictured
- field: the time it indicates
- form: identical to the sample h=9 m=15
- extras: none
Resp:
h=7 m=27
